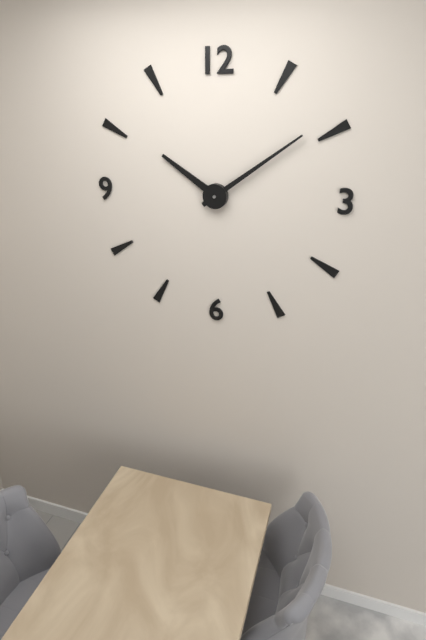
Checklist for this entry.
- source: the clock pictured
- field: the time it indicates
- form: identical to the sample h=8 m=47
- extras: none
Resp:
h=10 m=9
